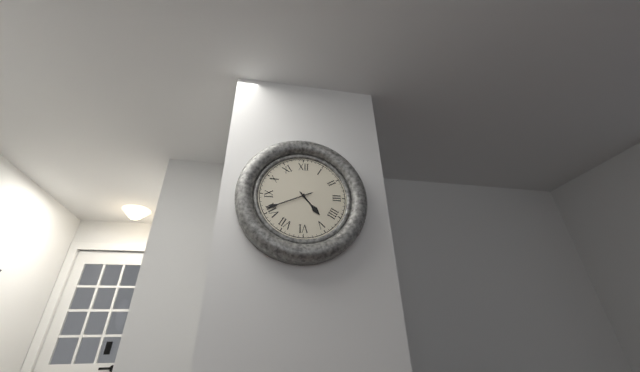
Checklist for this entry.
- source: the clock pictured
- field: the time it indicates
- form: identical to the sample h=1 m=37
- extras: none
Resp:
h=4 m=41
